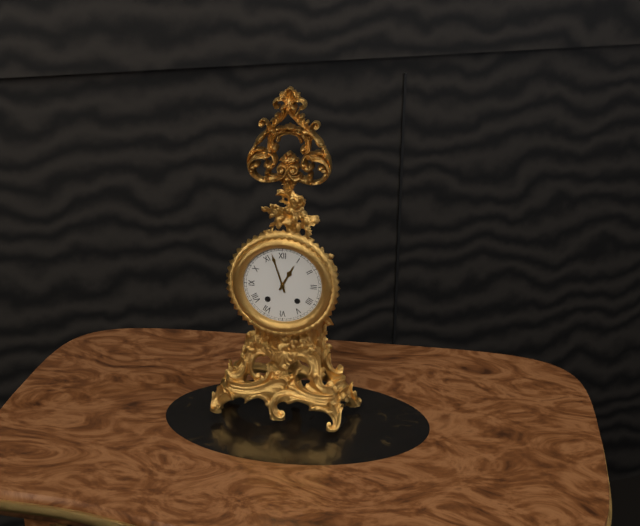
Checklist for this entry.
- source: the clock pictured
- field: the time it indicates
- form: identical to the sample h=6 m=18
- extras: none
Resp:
h=12 m=57
